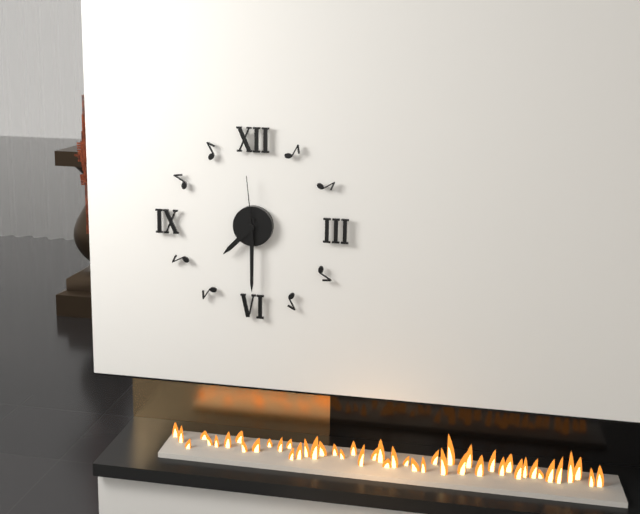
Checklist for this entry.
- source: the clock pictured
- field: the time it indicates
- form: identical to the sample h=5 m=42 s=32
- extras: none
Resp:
h=7 m=30 s=59
